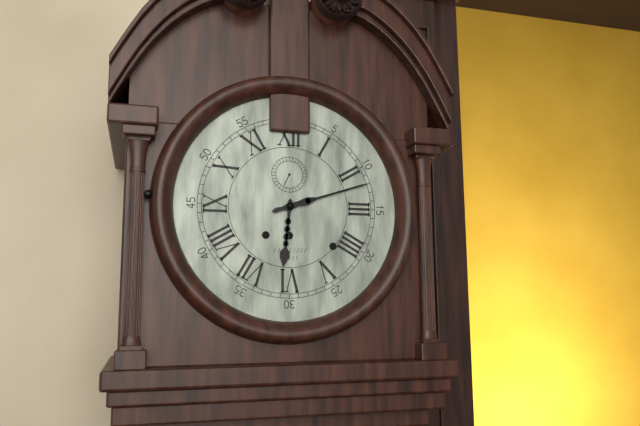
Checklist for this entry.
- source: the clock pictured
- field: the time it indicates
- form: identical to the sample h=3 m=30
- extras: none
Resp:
h=6 m=12
